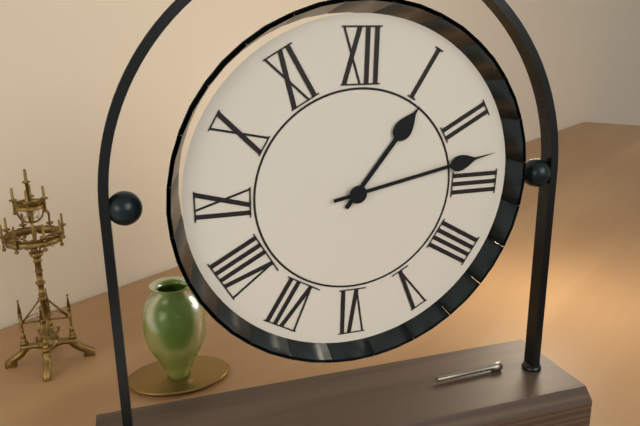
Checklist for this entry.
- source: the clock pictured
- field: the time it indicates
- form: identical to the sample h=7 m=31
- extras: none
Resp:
h=1 m=13
